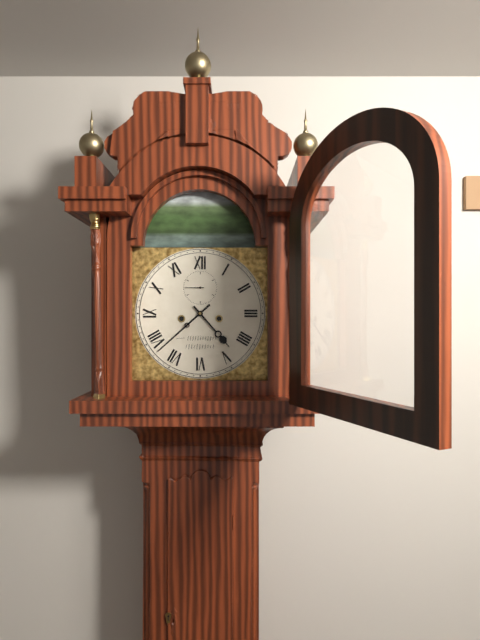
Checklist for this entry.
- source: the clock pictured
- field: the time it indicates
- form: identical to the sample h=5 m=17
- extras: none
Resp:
h=4 m=38
